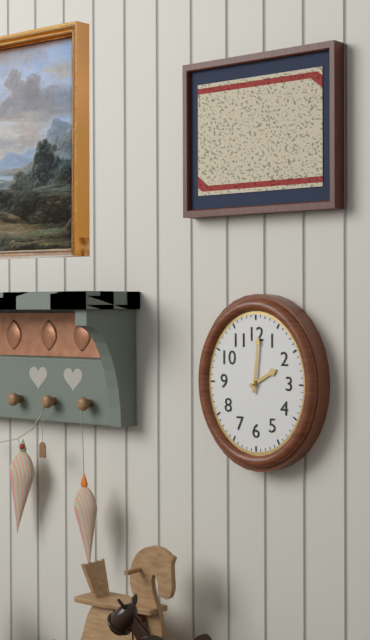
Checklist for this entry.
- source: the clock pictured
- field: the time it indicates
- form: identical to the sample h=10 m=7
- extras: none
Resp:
h=2 m=1
